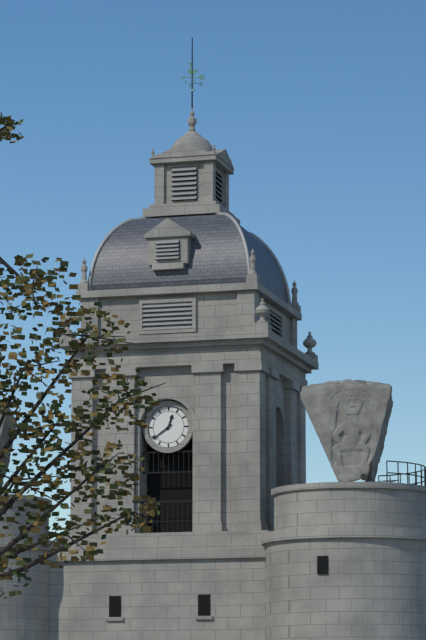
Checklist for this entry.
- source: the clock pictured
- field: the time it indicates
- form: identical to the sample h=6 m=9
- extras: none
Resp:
h=12 m=39
